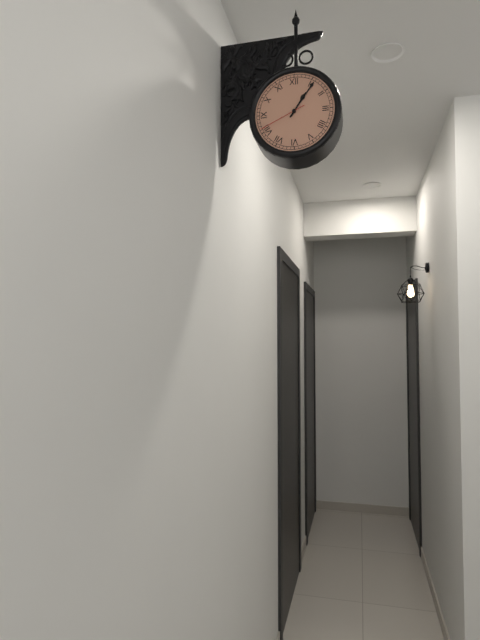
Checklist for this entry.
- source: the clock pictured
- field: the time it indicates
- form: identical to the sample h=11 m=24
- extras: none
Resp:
h=1 m=6
